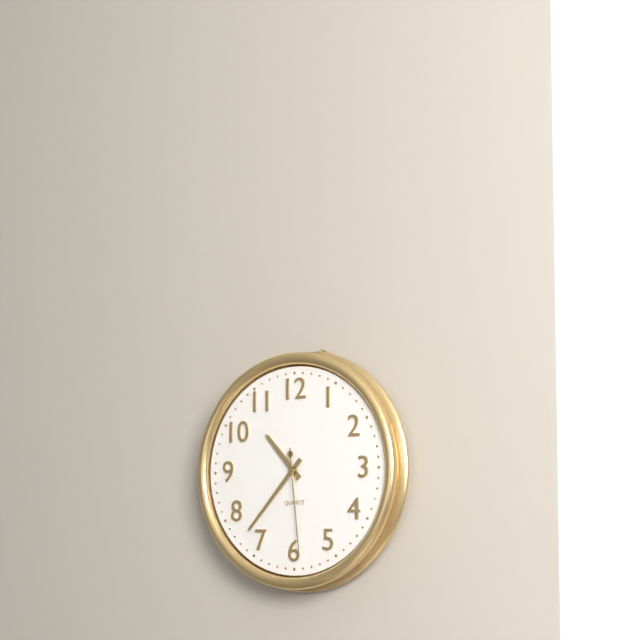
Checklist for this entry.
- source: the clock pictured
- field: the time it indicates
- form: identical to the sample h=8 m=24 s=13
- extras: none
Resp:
h=10 m=37 s=29
